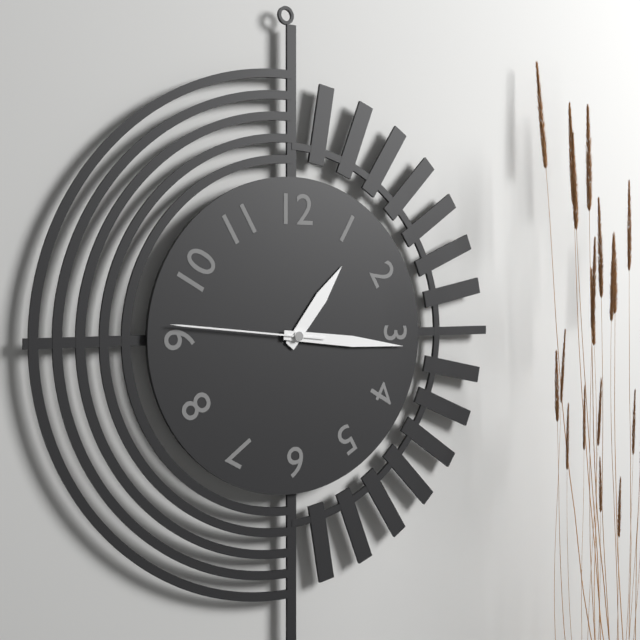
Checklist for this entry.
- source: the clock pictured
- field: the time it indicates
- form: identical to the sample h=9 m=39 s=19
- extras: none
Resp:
h=1 m=16 s=46
